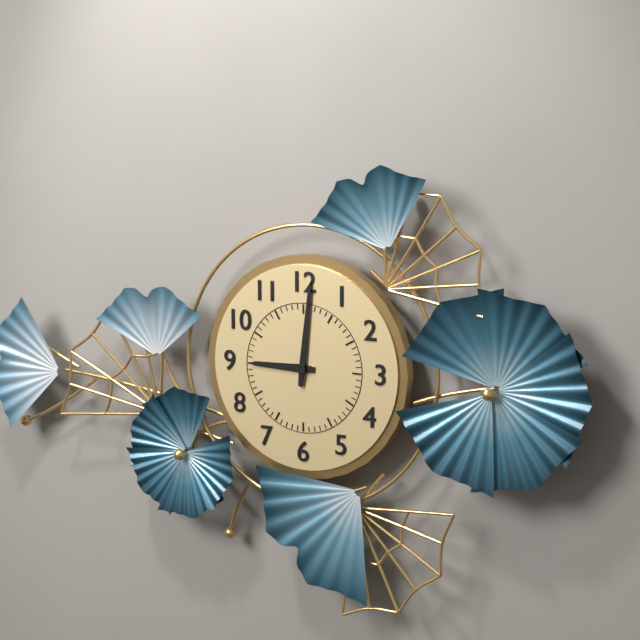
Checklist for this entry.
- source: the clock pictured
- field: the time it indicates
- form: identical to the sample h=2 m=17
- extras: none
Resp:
h=9 m=1
